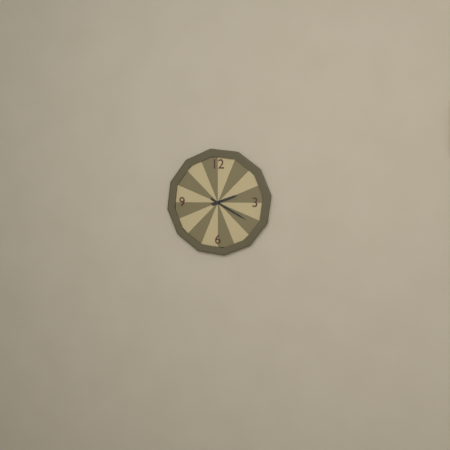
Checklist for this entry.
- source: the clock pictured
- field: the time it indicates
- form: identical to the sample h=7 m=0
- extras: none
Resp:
h=2 m=20
